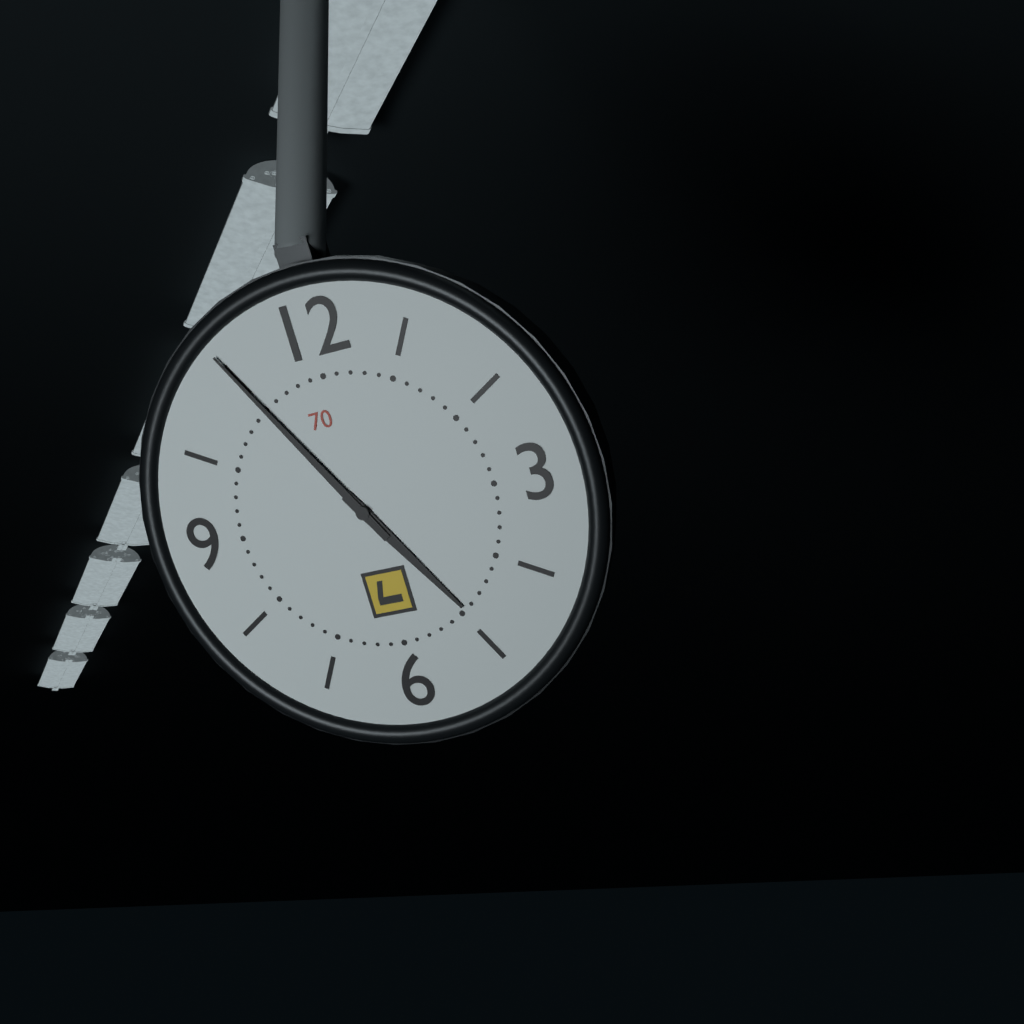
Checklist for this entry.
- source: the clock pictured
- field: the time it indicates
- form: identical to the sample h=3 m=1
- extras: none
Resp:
h=4 m=55
